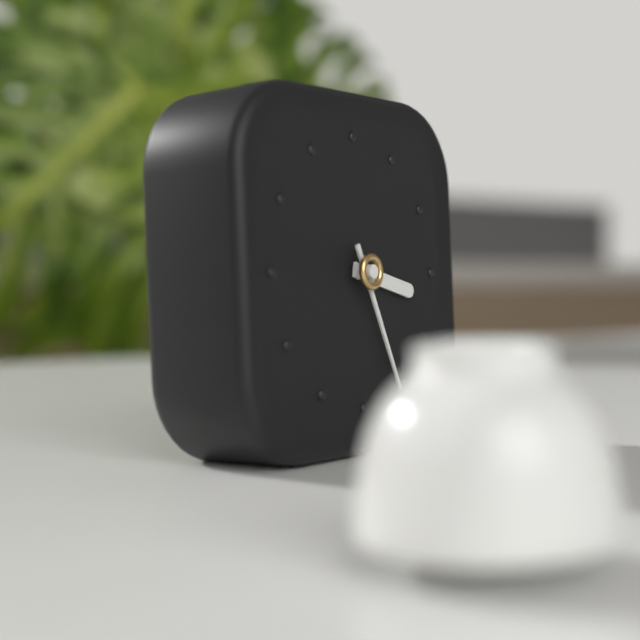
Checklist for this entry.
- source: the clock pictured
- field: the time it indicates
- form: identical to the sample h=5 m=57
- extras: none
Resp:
h=3 m=26
